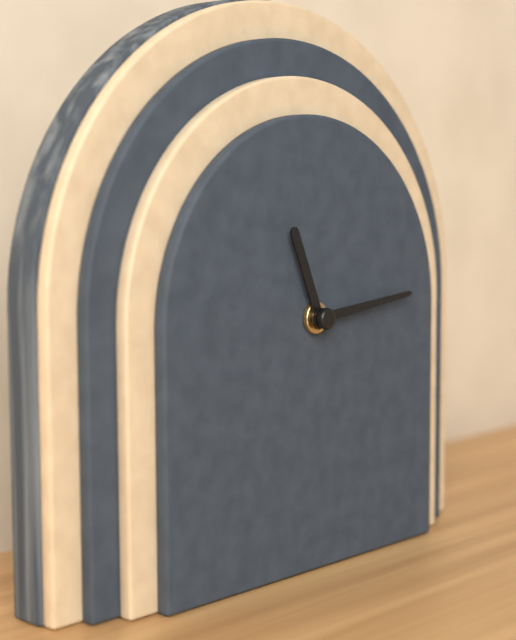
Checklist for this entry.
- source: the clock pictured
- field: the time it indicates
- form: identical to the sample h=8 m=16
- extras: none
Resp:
h=11 m=14
